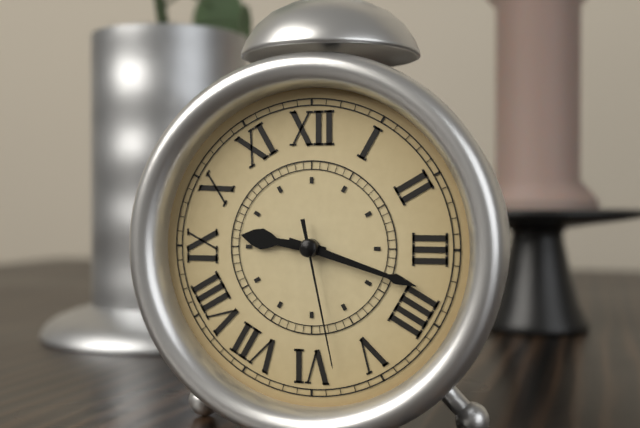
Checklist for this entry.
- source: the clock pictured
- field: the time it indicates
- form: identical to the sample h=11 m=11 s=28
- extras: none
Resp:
h=9 m=18 s=28
